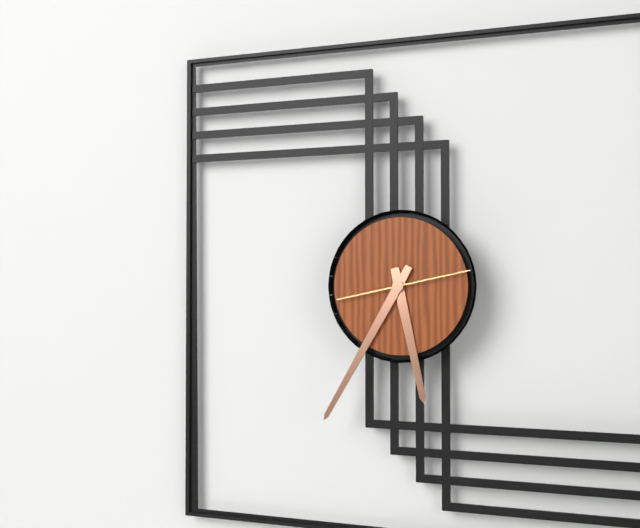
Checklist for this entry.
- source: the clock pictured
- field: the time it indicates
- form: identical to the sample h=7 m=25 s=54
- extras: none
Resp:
h=5 m=35 s=13
